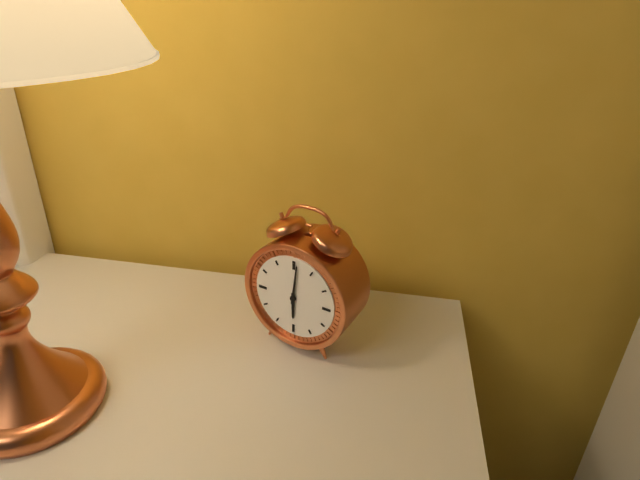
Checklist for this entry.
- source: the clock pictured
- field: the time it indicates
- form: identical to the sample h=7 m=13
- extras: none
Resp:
h=6 m=1
